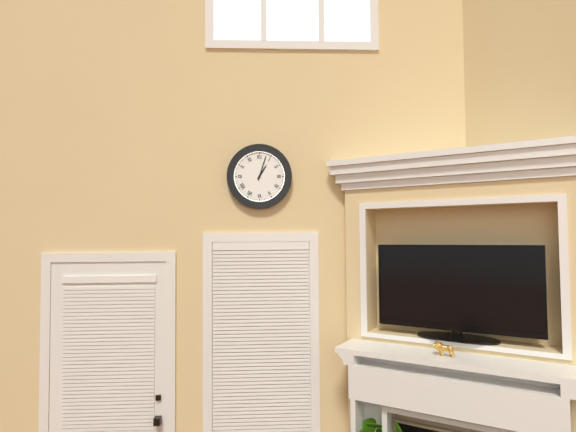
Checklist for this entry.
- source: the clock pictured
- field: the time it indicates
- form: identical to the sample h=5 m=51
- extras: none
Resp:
h=1 m=3
